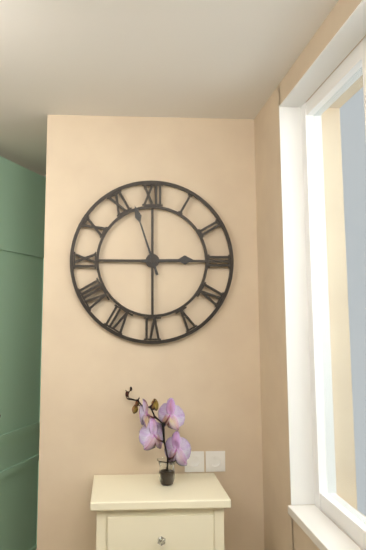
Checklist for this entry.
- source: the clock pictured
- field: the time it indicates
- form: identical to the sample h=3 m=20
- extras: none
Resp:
h=2 m=57
